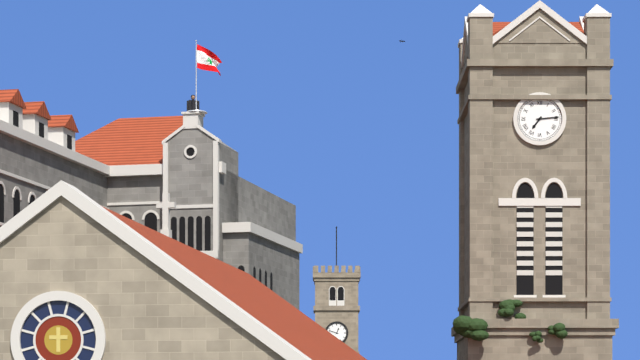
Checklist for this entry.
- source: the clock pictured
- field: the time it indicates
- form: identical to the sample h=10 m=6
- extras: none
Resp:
h=7 m=14
